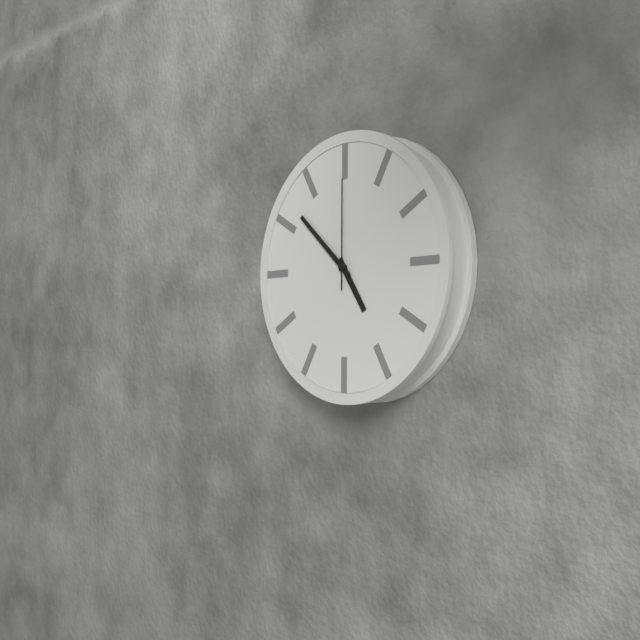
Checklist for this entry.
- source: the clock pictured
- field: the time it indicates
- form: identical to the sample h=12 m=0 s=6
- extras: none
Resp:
h=4 m=52 s=0
